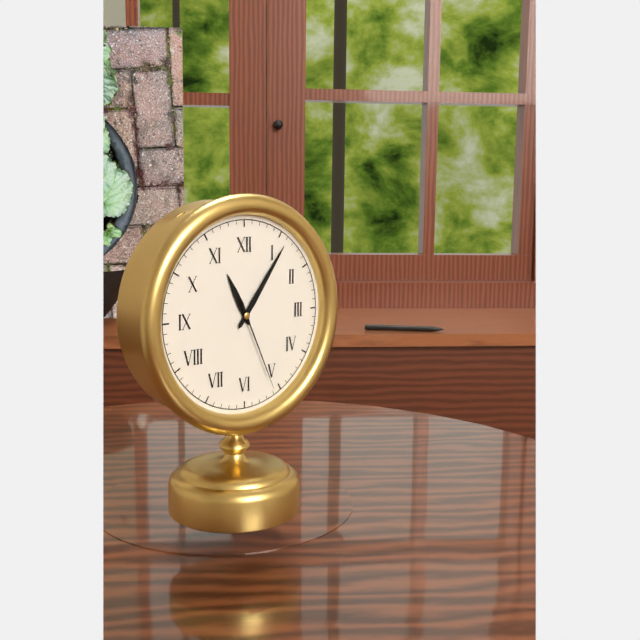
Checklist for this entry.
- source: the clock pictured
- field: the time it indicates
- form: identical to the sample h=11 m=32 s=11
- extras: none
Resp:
h=11 m=6 s=26
